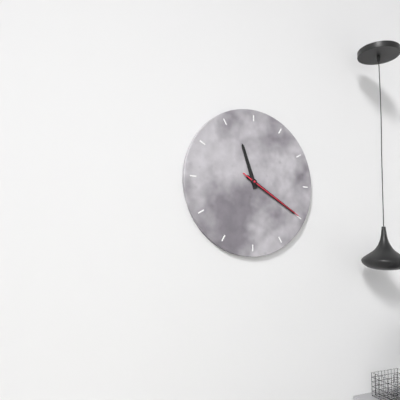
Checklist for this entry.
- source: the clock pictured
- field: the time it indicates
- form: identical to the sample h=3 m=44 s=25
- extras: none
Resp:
h=11 m=20 s=20
